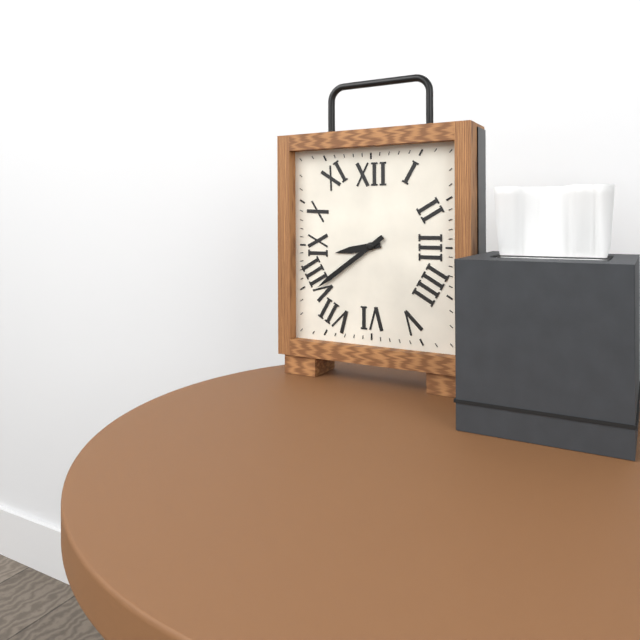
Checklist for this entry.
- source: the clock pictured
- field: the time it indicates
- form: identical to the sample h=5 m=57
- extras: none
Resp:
h=8 m=39
